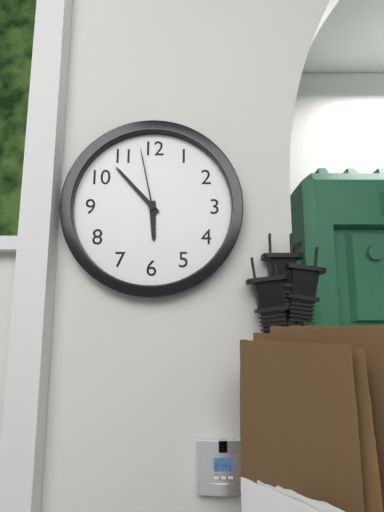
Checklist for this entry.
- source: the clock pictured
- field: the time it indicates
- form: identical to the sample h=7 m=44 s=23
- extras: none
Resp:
h=5 m=53 s=58
